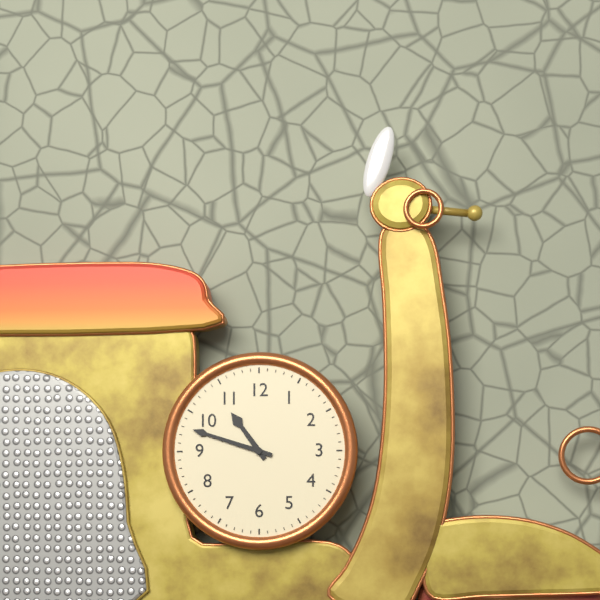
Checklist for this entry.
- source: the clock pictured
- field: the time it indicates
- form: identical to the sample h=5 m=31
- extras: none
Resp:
h=10 m=48
